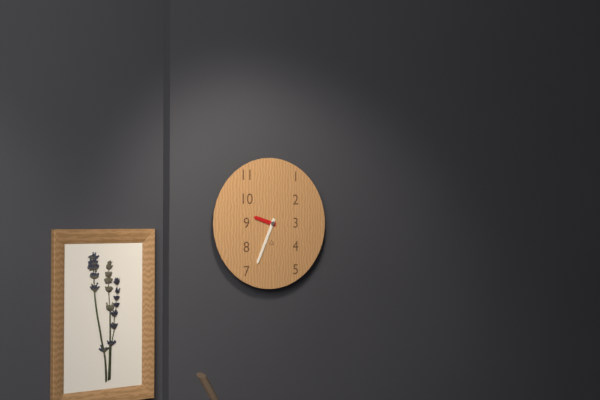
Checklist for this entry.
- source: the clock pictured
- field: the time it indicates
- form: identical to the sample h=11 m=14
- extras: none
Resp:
h=9 m=34
